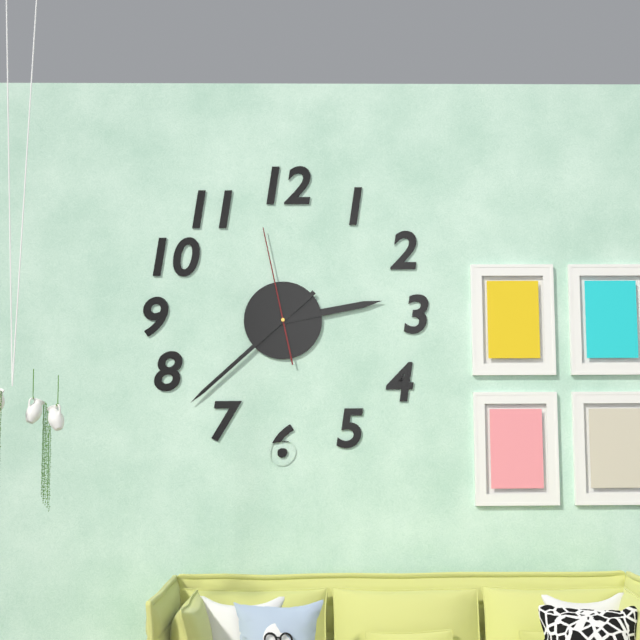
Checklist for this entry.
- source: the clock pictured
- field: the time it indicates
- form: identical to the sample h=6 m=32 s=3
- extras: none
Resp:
h=2 m=38 s=58
